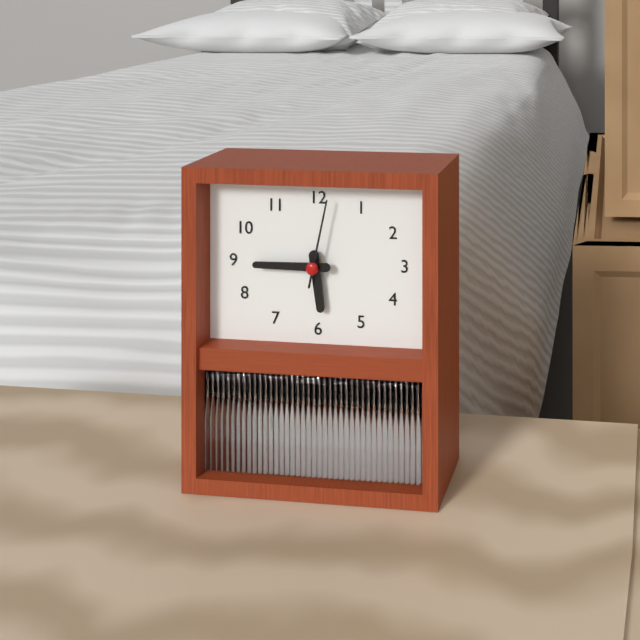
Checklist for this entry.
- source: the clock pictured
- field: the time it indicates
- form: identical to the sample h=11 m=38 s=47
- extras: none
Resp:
h=5 m=45 s=2
